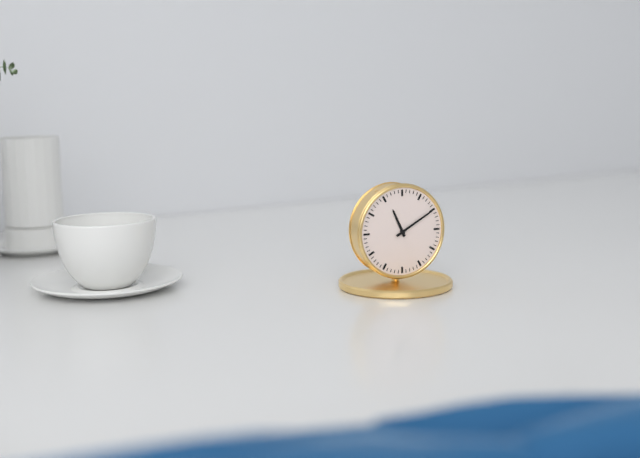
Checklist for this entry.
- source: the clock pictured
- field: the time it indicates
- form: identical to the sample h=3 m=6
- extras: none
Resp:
h=11 m=10
